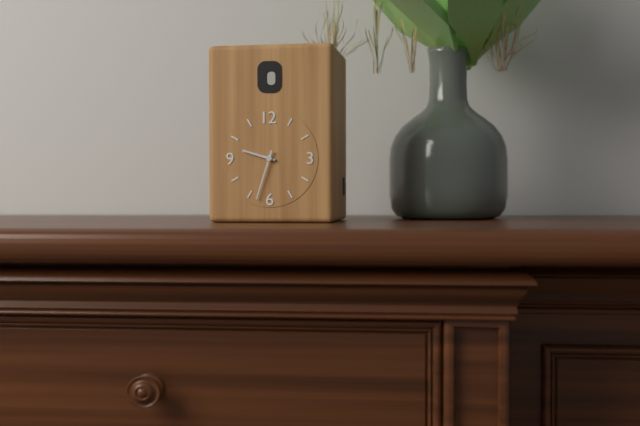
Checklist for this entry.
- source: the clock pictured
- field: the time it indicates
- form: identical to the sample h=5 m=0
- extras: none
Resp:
h=9 m=33
